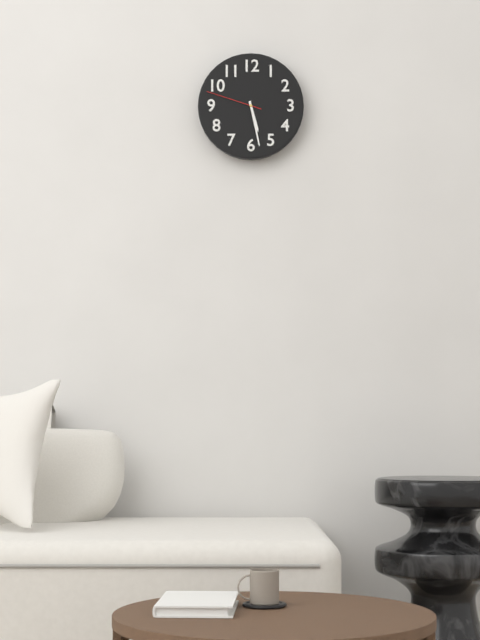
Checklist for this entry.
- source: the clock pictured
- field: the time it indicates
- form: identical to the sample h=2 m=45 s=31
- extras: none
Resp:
h=5 m=28 s=48
